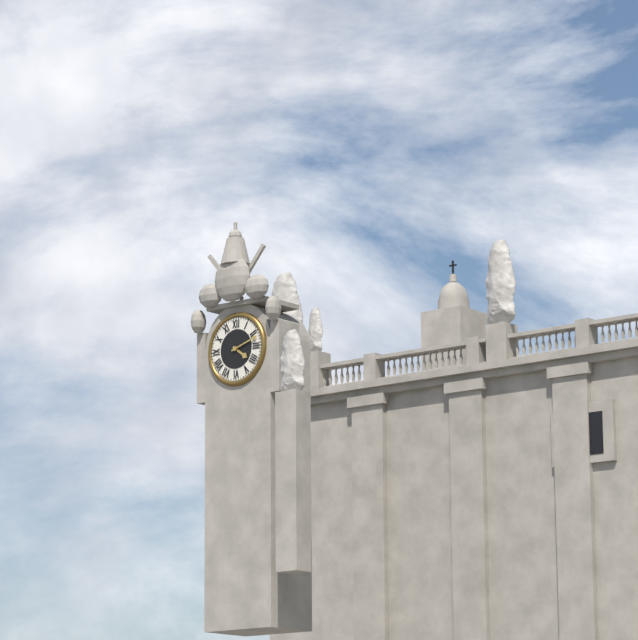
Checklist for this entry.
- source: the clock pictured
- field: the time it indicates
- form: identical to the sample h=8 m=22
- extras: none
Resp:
h=4 m=12
